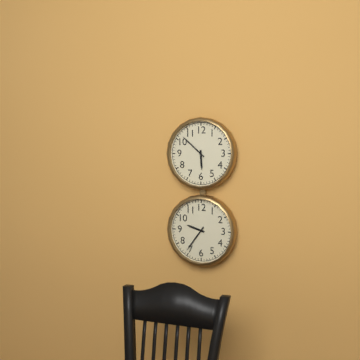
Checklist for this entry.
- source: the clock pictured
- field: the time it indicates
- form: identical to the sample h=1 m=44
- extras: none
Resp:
h=5 m=52
